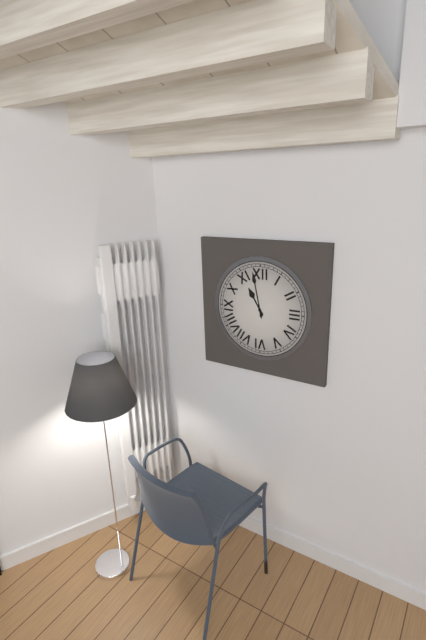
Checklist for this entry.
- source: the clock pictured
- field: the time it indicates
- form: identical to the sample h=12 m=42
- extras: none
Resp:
h=10 m=58
